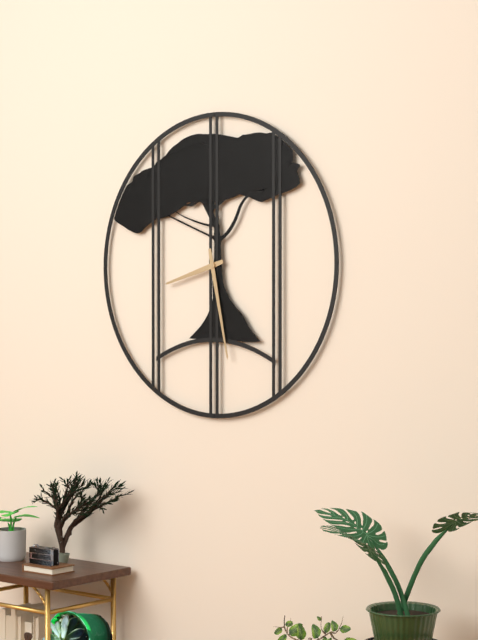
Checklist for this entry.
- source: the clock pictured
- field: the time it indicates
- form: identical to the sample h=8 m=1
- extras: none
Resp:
h=8 m=28
